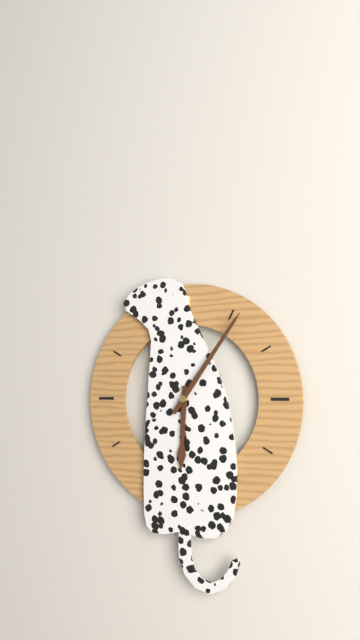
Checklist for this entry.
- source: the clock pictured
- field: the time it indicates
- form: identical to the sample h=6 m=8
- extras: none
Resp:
h=6 m=6
